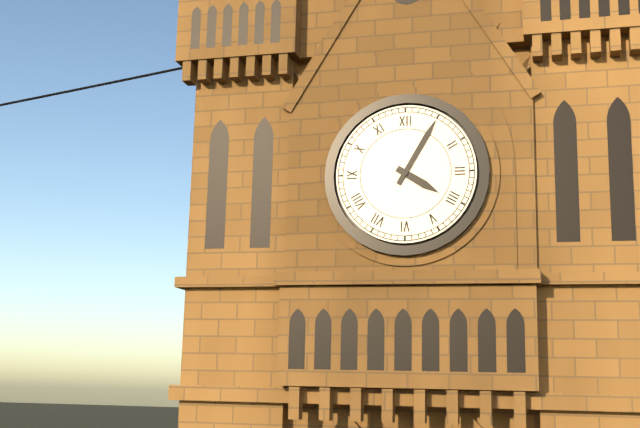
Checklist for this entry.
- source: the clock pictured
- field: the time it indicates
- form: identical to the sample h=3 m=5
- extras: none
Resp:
h=4 m=5
